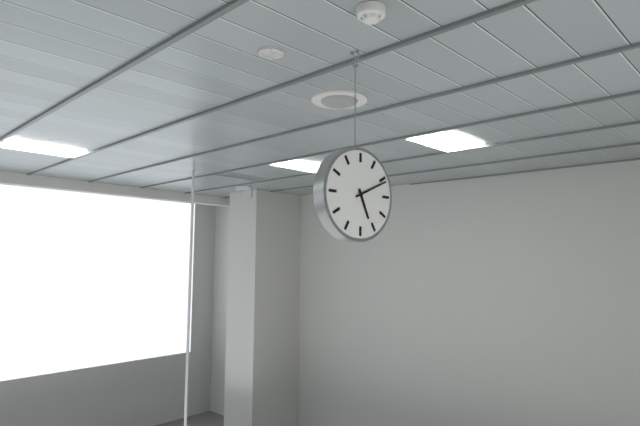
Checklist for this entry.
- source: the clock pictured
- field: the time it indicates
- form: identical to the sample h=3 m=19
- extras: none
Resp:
h=5 m=11
